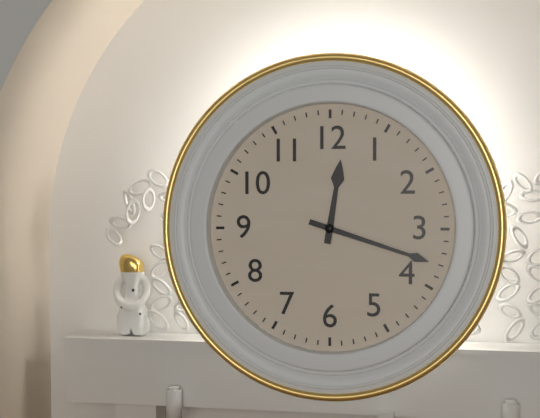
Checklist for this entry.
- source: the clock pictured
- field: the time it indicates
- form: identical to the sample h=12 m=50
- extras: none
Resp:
h=12 m=18
